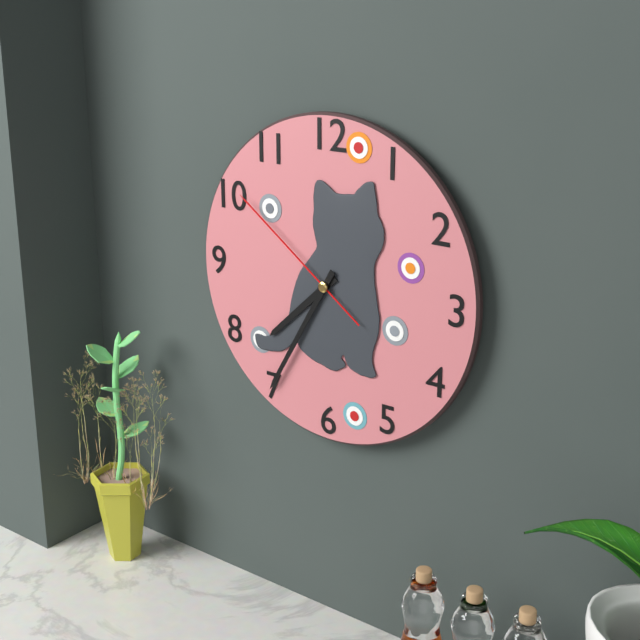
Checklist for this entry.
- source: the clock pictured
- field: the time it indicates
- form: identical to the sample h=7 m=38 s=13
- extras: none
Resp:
h=7 m=35 s=51
